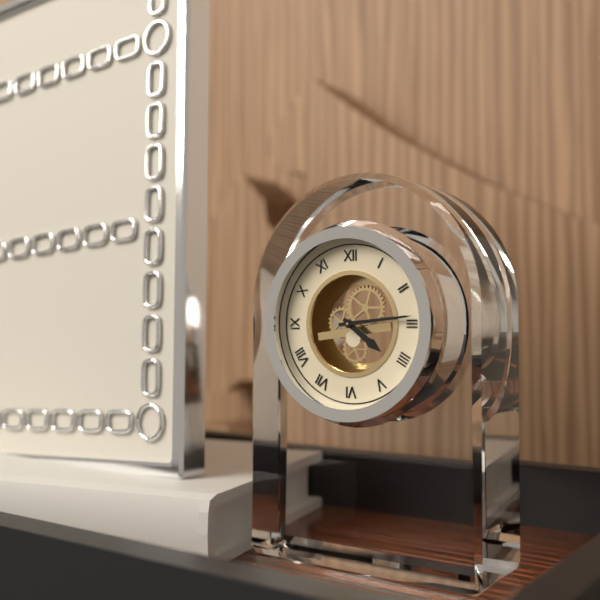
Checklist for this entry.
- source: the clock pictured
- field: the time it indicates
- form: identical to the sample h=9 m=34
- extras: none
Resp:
h=4 m=14
